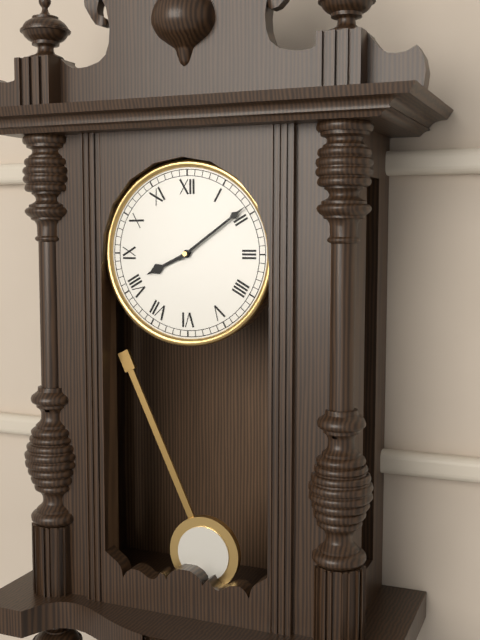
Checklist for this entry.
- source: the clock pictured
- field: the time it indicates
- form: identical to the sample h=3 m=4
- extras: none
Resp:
h=8 m=9
